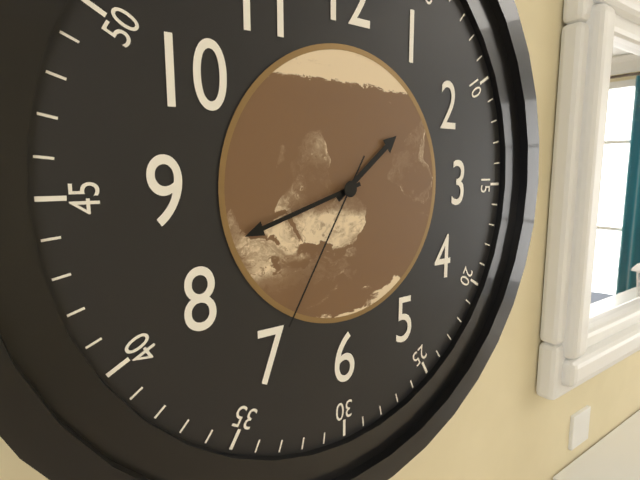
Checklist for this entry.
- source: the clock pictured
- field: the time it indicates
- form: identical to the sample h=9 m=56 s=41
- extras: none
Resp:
h=1 m=42 s=35
